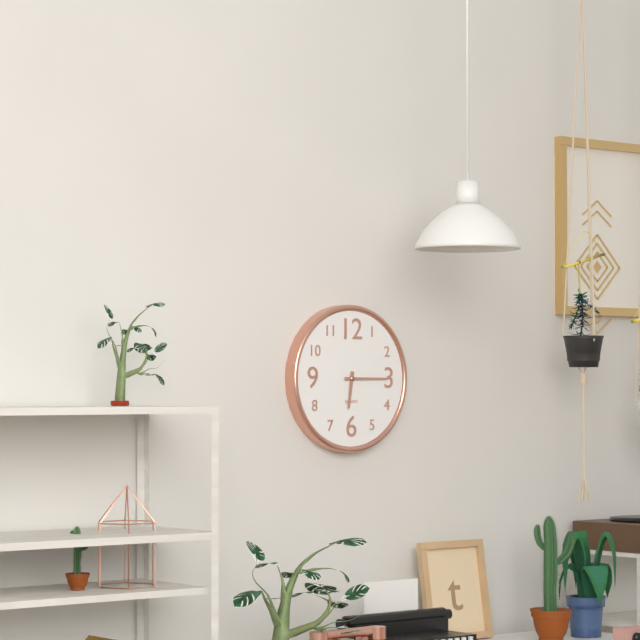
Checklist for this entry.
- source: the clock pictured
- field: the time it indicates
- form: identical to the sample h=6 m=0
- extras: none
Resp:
h=6 m=15
